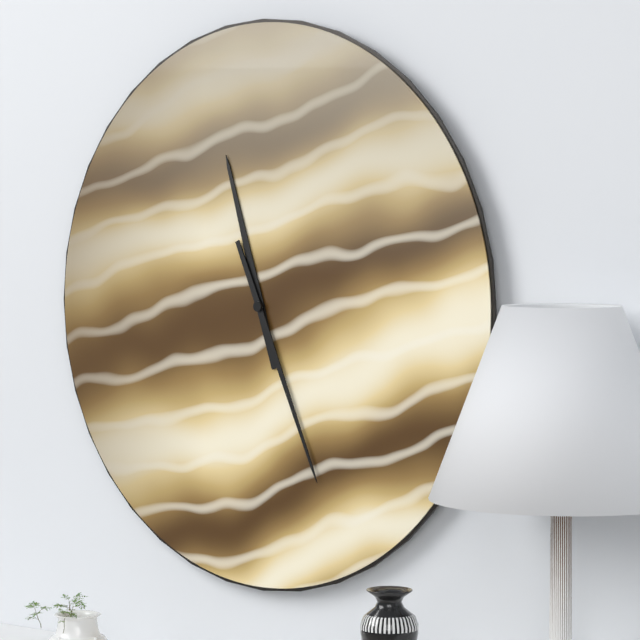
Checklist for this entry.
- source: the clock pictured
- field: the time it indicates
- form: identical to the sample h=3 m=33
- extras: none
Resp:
h=11 m=26
